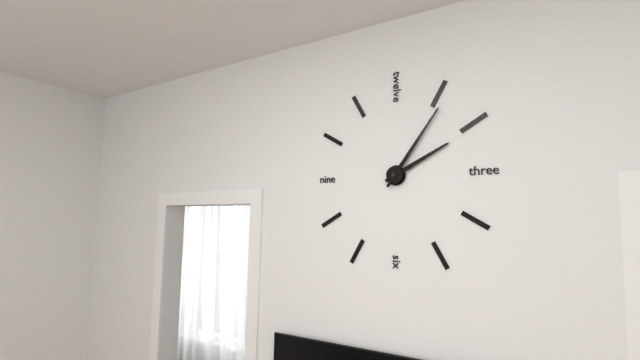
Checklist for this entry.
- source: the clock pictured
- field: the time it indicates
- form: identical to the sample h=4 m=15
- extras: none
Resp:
h=2 m=6
